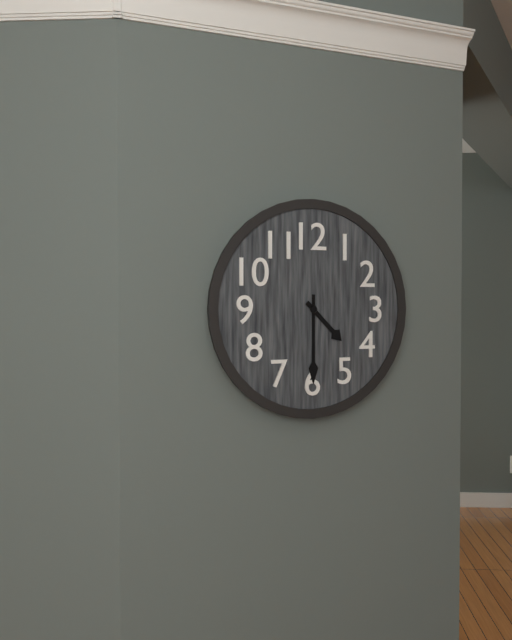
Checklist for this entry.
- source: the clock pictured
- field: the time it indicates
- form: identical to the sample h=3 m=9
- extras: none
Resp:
h=4 m=30
